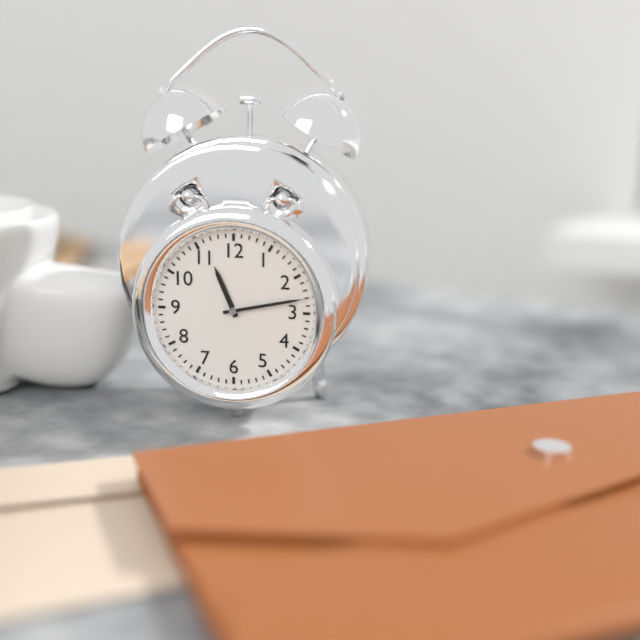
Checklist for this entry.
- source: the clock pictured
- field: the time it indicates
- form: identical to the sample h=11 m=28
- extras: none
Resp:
h=11 m=13
